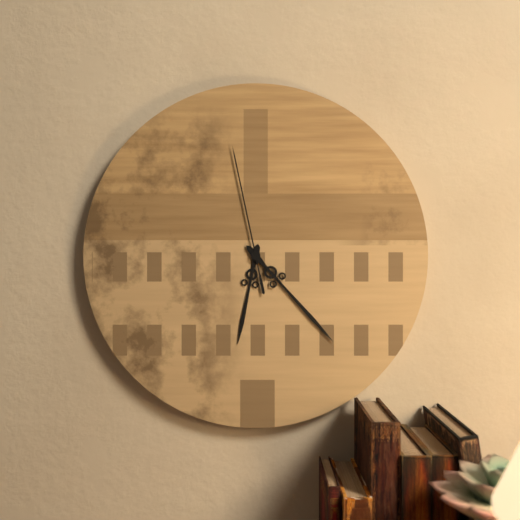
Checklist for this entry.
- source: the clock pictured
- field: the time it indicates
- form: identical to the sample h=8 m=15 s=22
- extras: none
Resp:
h=6 m=23 s=58
